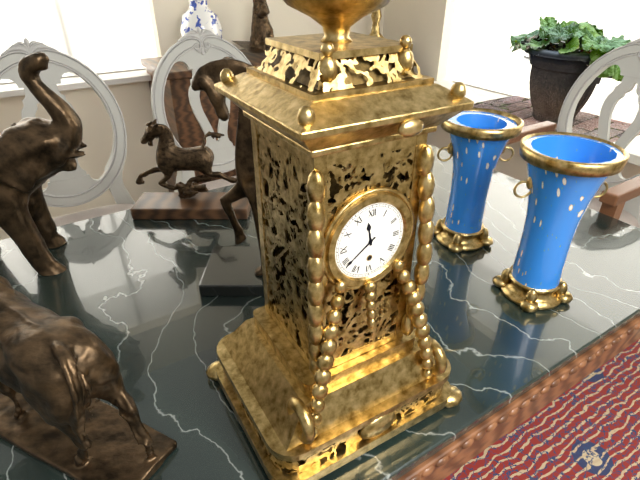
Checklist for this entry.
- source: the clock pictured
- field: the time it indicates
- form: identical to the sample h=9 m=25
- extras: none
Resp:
h=11 m=39
